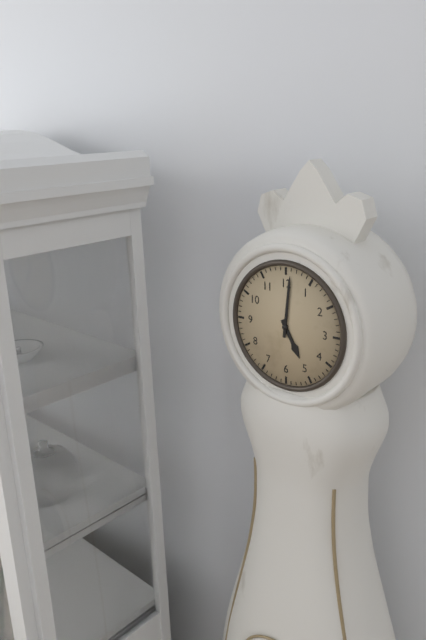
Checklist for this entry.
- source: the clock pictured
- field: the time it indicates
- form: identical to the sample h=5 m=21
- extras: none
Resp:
h=5 m=1
